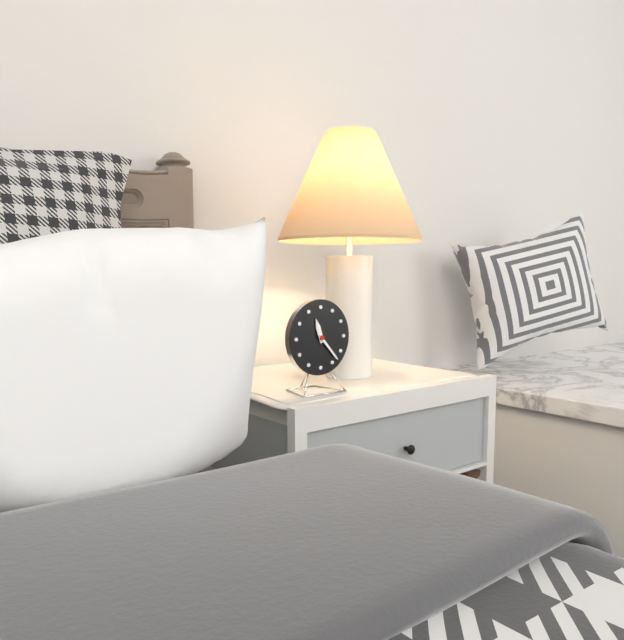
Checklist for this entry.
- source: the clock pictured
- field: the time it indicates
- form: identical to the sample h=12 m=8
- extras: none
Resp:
h=11 m=23
